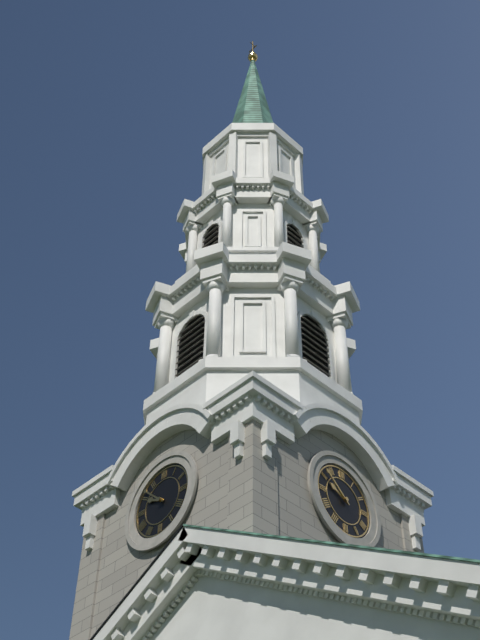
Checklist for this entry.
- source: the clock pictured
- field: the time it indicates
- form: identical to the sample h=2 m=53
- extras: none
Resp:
h=9 m=52
